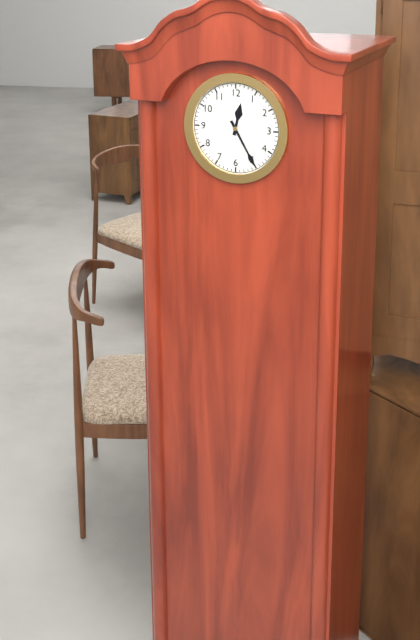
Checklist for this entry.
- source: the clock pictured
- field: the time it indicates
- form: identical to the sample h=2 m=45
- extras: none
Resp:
h=12 m=25
